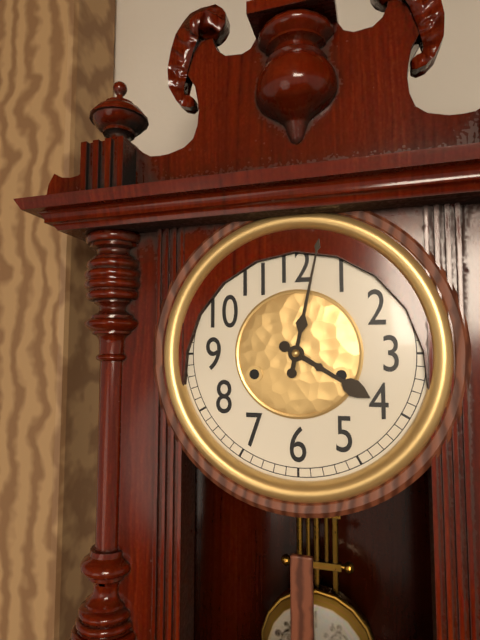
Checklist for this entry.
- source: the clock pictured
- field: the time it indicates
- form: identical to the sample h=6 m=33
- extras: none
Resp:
h=4 m=2
